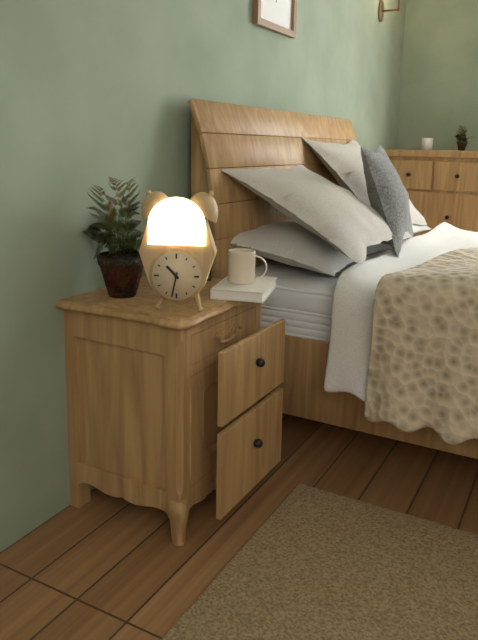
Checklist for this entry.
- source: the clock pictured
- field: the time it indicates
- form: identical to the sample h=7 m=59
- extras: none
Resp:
h=10 m=32
